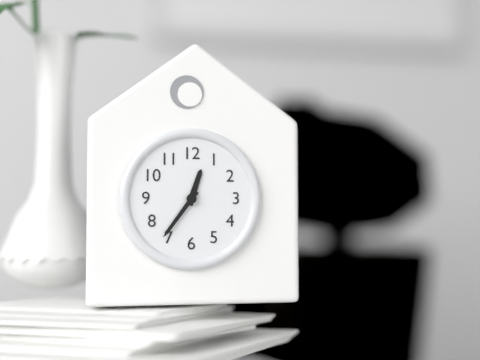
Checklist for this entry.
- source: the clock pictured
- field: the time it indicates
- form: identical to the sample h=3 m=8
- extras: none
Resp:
h=12 m=36
